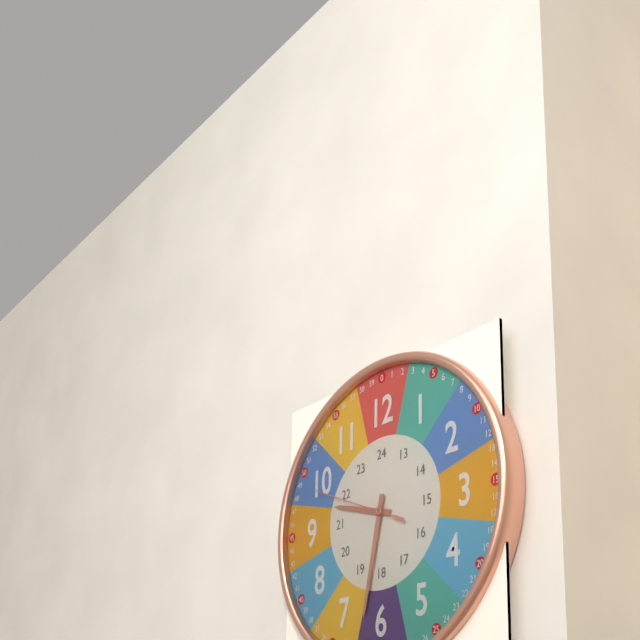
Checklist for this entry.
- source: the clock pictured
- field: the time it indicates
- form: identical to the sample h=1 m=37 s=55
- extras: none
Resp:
h=9 m=32 s=49
